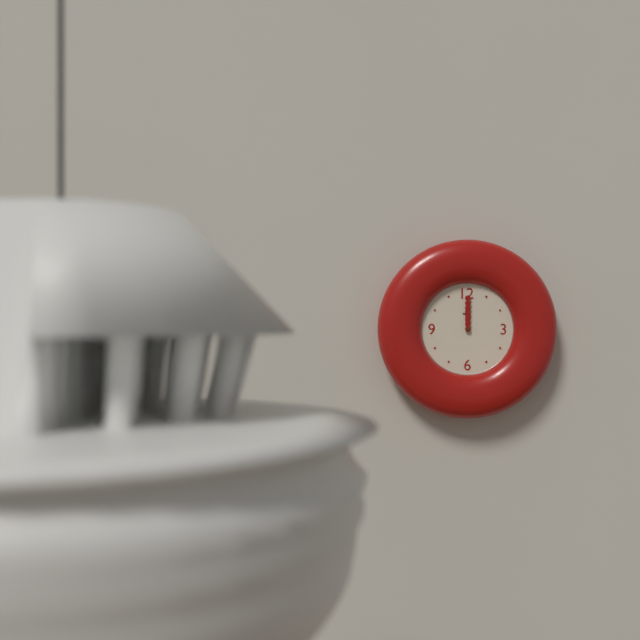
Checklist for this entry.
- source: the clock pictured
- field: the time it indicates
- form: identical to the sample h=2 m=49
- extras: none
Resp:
h=12 m=0
